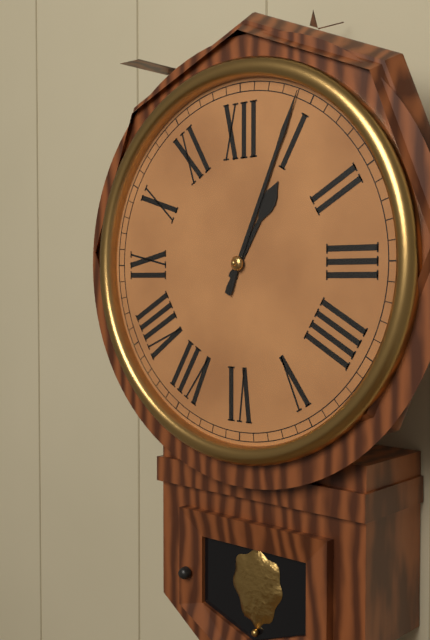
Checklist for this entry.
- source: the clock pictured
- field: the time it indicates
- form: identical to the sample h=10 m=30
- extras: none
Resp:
h=1 m=4
